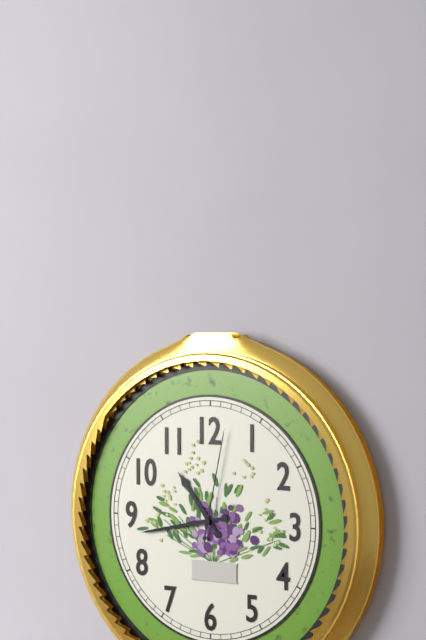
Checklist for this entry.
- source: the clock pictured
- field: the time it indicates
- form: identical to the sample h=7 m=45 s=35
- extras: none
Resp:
h=10 m=43 s=2
